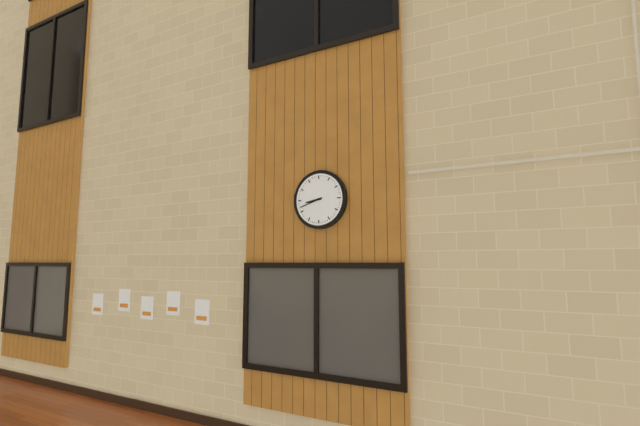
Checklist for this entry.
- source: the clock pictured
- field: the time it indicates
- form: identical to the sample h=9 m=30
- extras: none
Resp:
h=8 m=42
